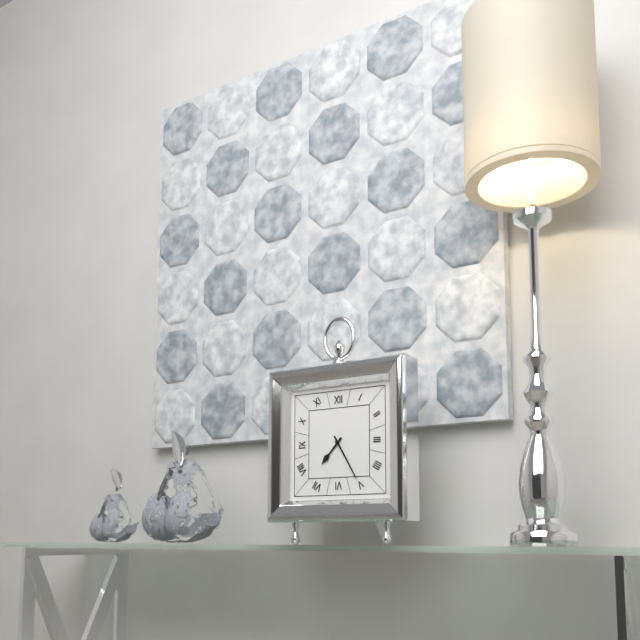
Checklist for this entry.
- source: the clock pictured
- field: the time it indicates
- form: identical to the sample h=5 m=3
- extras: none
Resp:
h=7 m=25
